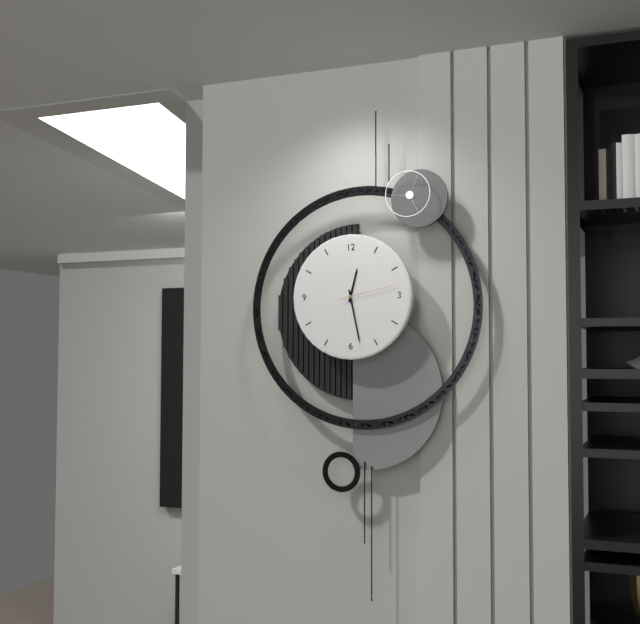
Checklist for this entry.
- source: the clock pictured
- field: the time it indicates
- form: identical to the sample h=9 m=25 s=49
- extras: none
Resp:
h=12 m=28 s=13
